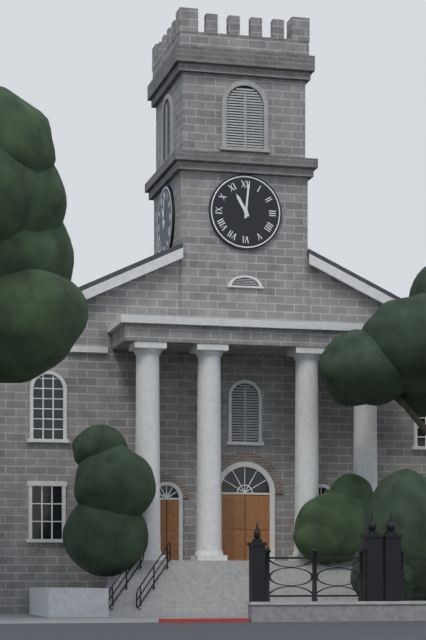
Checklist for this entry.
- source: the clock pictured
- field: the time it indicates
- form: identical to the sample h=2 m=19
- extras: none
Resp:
h=11 m=1
